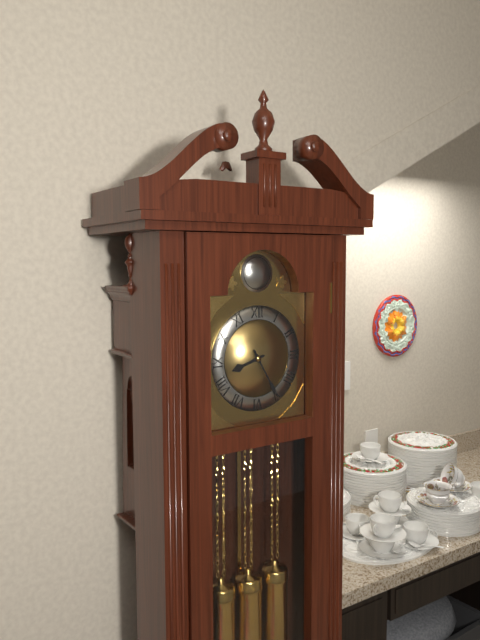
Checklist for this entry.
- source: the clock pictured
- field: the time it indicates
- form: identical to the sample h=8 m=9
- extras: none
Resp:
h=8 m=25
